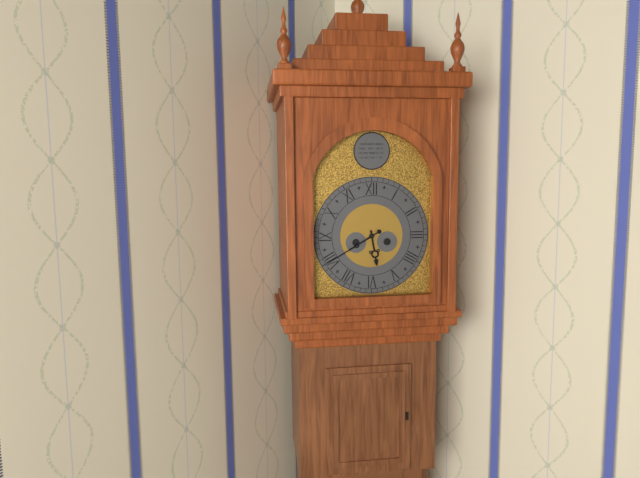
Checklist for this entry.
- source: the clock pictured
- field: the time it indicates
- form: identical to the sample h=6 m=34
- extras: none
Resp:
h=5 m=40
